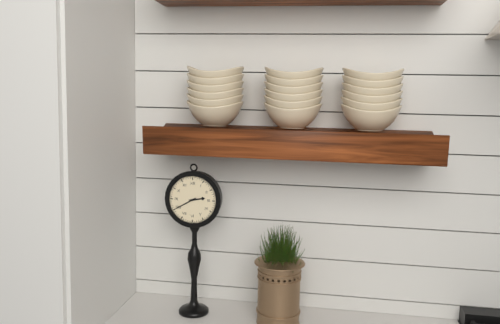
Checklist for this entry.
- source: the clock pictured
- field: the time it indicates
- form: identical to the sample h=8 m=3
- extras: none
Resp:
h=2 m=40
